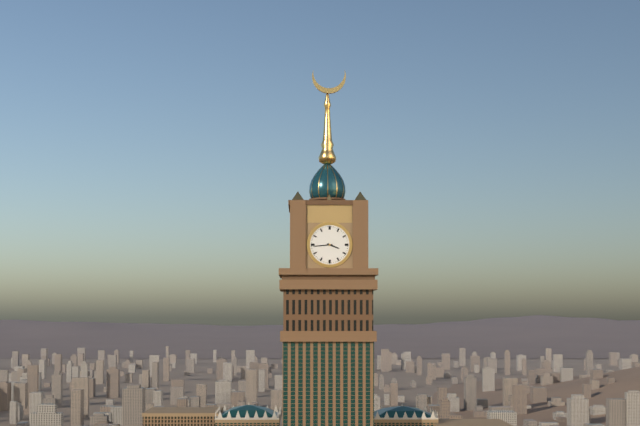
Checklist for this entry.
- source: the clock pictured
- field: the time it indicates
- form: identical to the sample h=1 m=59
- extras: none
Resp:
h=3 m=44
